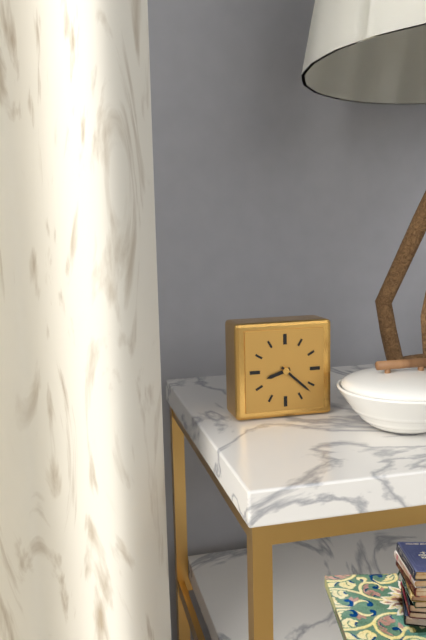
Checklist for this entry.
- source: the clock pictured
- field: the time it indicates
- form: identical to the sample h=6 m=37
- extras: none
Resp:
h=8 m=22
